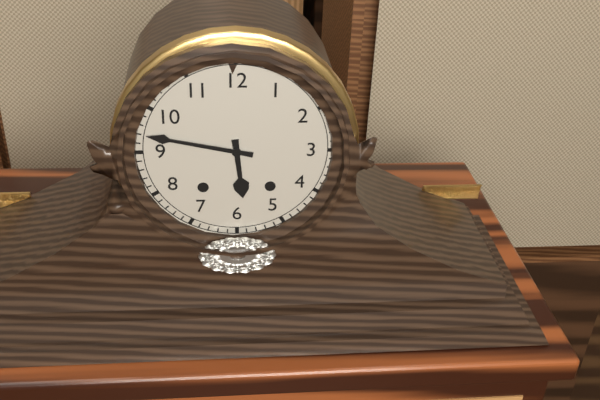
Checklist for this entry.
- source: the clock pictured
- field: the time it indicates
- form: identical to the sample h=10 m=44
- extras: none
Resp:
h=5 m=47
